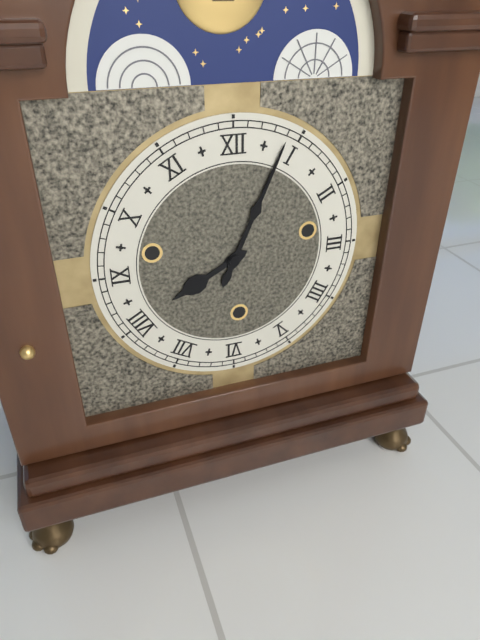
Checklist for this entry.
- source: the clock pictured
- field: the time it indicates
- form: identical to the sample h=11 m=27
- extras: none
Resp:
h=8 m=4
